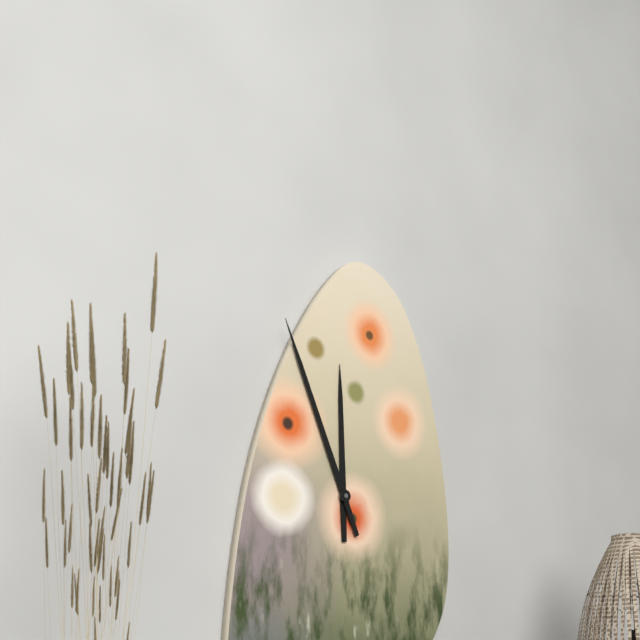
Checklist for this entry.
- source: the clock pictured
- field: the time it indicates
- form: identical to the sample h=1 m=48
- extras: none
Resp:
h=11 m=56
